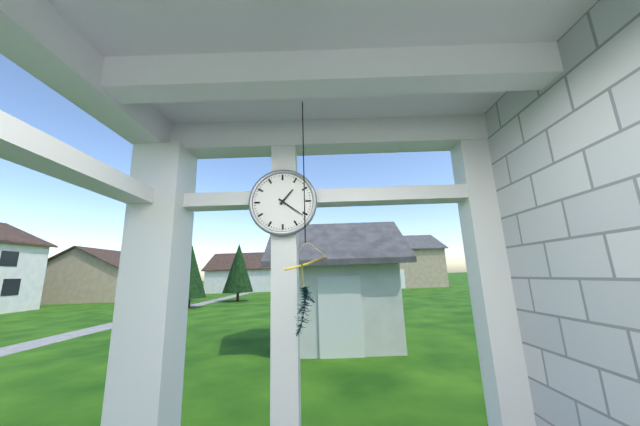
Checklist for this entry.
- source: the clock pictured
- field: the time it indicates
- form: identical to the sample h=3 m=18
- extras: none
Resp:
h=1 m=21
